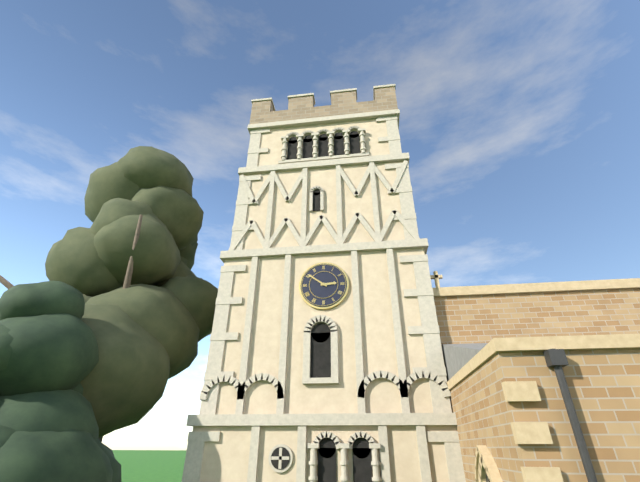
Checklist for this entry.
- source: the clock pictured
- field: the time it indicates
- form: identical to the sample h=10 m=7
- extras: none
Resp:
h=2 m=51
